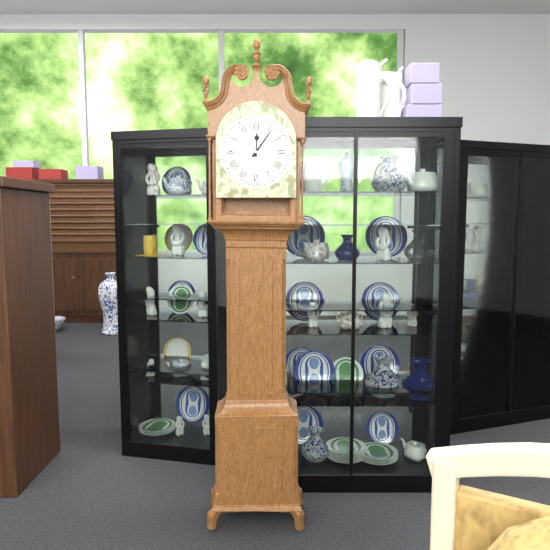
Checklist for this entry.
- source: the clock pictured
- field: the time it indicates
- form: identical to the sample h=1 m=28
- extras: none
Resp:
h=12 m=6
